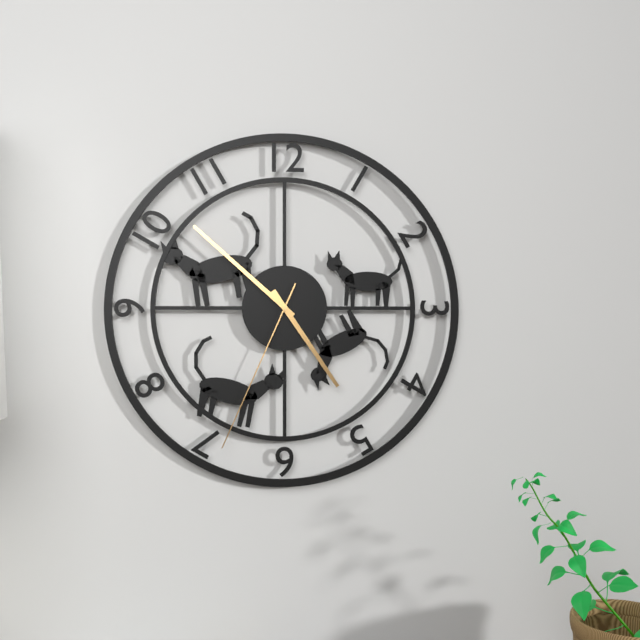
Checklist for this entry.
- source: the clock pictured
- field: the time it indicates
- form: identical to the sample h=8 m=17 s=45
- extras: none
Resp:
h=4 m=52 s=34
